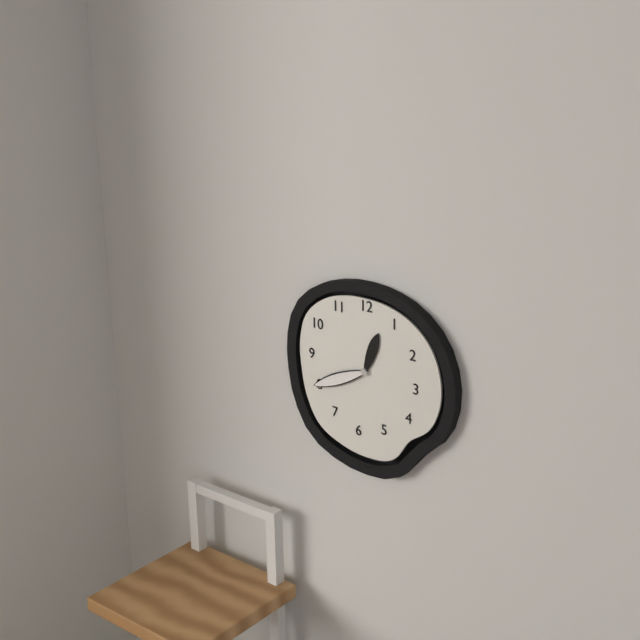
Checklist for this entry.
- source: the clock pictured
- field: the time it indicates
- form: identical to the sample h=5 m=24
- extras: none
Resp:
h=12 m=41
